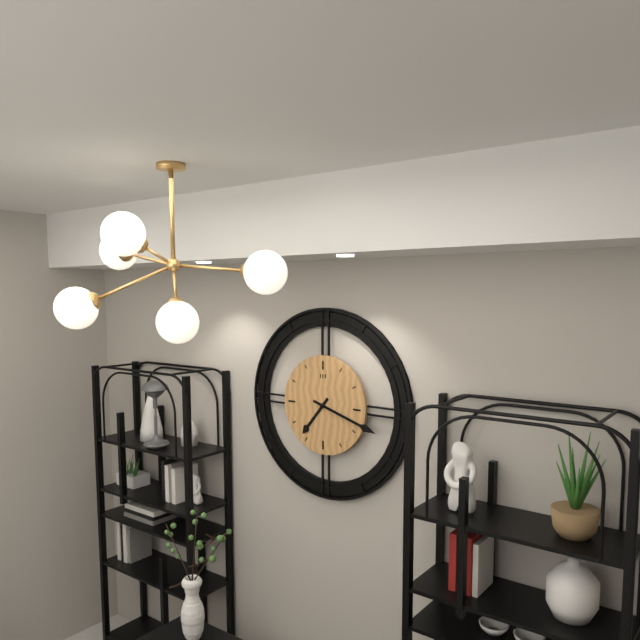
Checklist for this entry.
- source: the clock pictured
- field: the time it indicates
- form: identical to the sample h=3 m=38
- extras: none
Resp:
h=7 m=18
